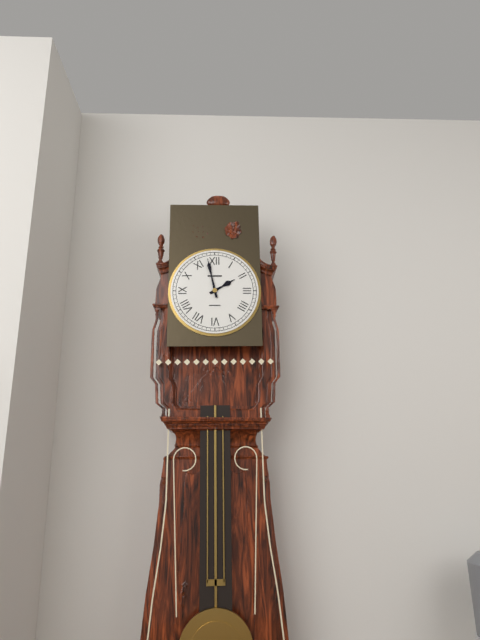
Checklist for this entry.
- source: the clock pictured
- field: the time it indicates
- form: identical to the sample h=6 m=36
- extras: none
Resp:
h=1 m=58
